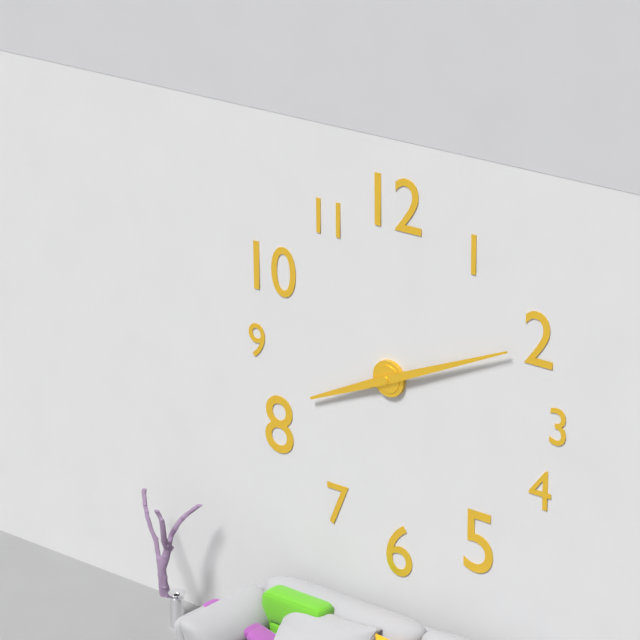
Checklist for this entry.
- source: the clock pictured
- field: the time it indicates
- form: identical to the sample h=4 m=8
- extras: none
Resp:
h=8 m=11
